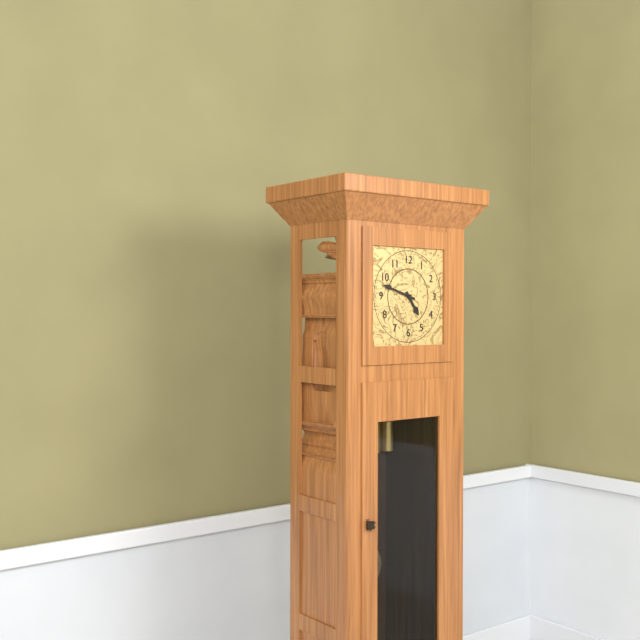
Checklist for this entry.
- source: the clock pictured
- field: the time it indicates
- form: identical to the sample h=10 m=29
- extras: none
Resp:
h=4 m=48
